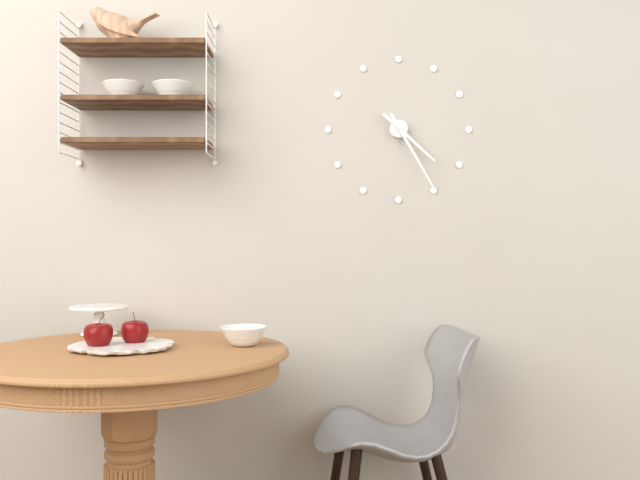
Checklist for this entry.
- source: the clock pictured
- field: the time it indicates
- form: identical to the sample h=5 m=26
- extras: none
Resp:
h=4 m=25
